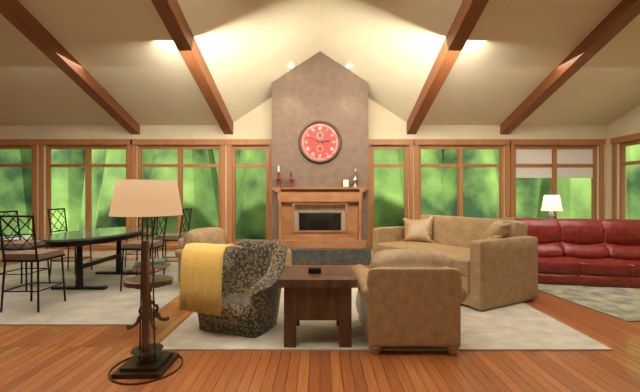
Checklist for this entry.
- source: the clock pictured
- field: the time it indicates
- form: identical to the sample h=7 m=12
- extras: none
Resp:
h=2 m=49
